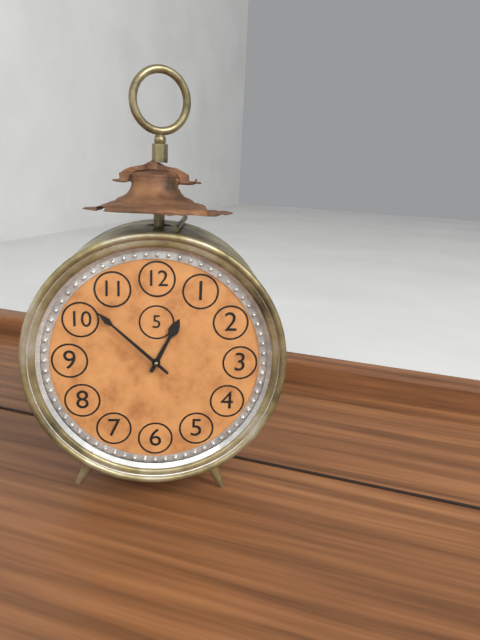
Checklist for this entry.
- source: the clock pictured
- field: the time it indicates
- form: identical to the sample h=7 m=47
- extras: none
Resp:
h=12 m=52
